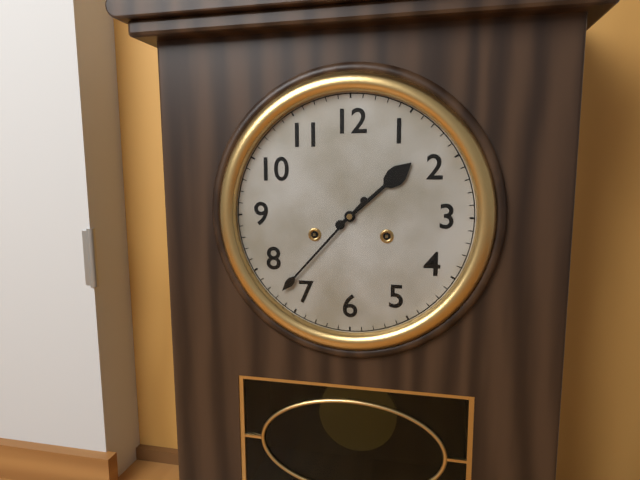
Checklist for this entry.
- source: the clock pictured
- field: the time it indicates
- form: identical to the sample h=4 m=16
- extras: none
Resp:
h=1 m=37
